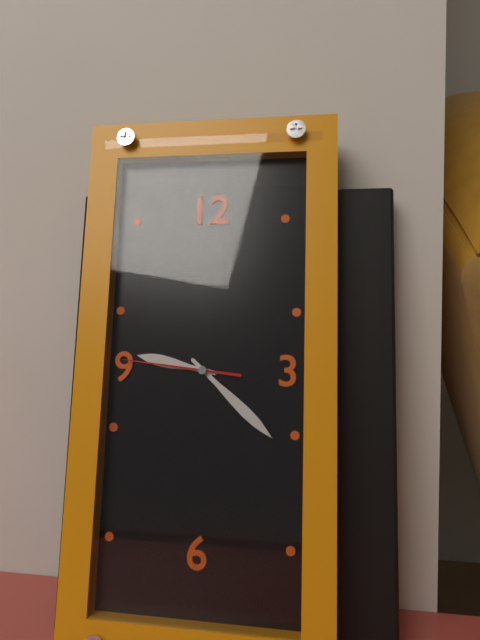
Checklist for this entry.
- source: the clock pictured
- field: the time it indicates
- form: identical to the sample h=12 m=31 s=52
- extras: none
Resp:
h=9 m=22 s=46
